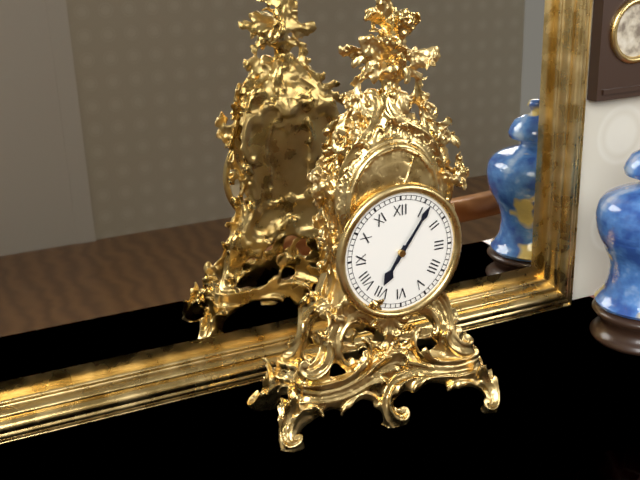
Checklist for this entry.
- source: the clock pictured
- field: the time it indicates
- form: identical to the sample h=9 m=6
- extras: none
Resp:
h=7 m=6
